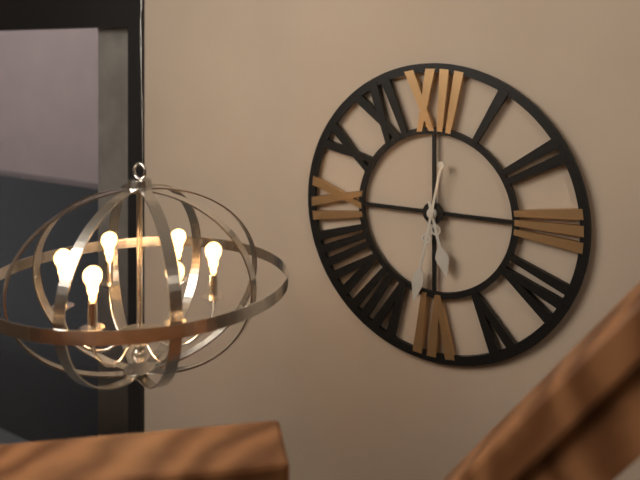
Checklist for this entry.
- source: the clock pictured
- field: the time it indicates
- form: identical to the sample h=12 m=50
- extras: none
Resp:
h=5 m=32
